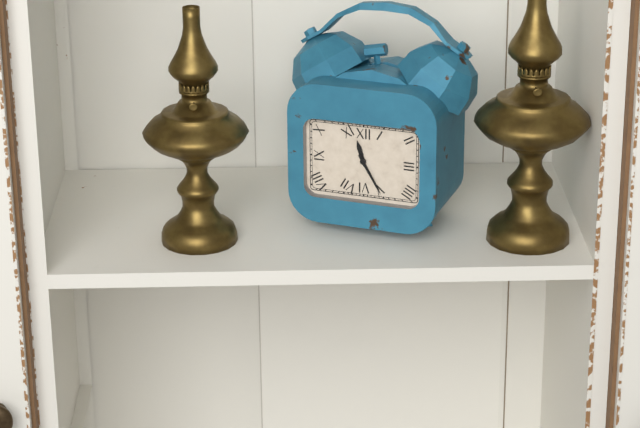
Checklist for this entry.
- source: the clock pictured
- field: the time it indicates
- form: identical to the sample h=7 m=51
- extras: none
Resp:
h=11 m=25
